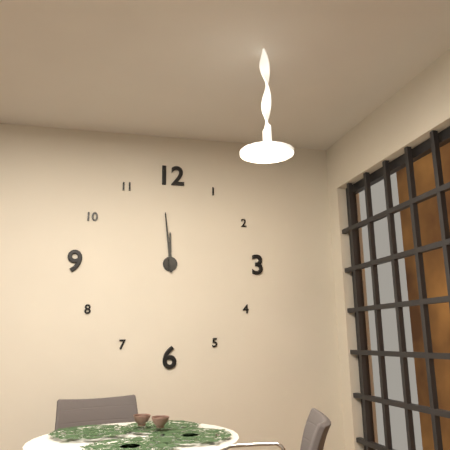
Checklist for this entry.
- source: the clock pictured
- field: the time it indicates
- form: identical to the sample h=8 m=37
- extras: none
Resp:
h=11 m=59
